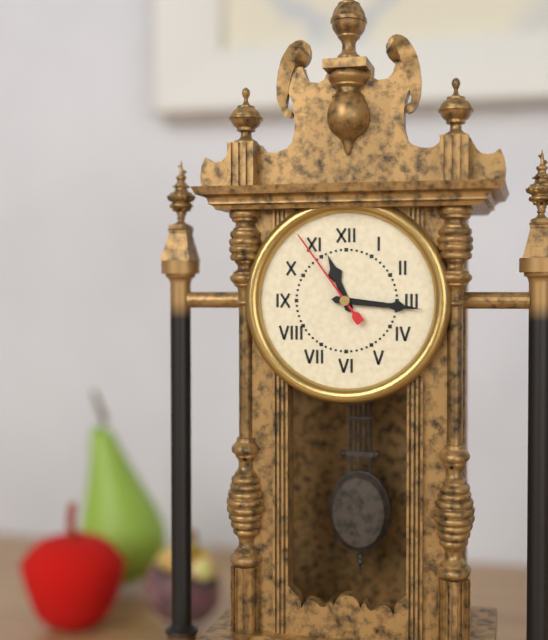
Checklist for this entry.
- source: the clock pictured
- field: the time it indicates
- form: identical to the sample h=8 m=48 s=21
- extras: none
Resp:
h=11 m=16 s=54
